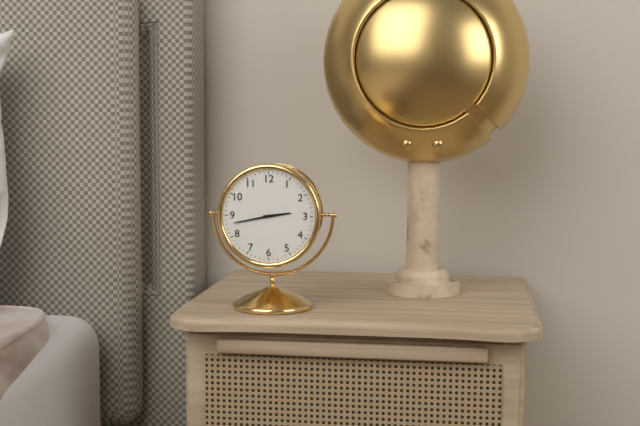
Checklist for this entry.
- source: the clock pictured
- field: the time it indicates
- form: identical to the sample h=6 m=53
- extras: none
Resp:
h=2 m=43
